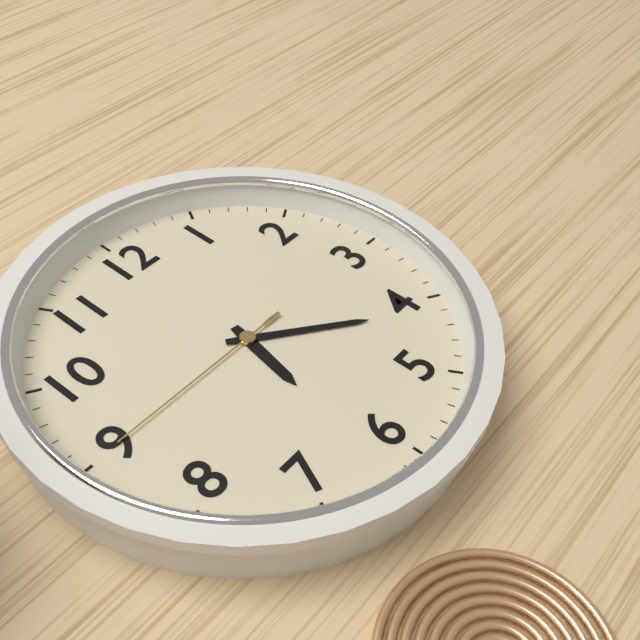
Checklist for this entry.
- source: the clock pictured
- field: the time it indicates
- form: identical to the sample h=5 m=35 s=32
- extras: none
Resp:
h=6 m=21 s=45
